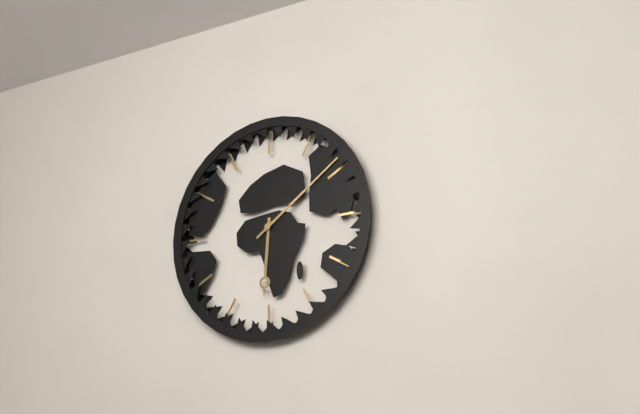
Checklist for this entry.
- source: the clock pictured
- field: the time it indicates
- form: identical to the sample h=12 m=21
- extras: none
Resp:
h=6 m=9
